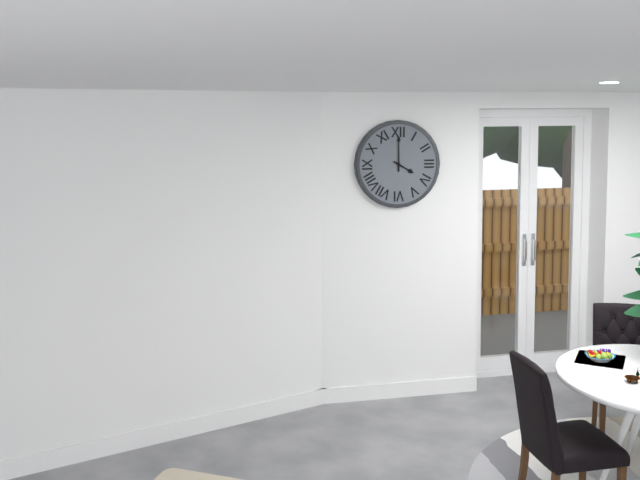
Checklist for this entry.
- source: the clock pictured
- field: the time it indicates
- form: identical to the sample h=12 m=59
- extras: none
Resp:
h=4 m=0
